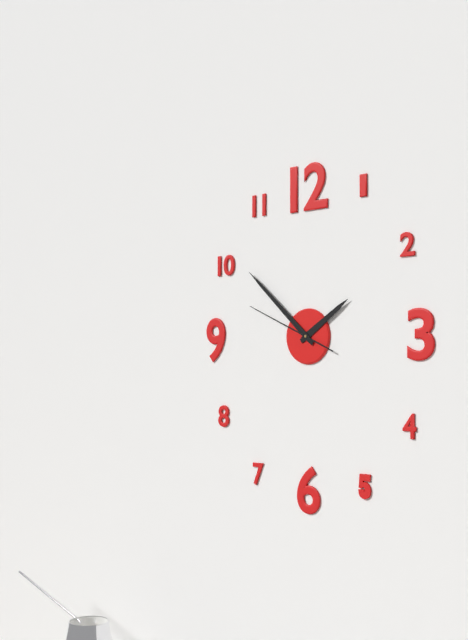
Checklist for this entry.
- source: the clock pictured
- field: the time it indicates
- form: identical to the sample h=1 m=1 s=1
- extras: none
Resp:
h=1 m=52 s=49
